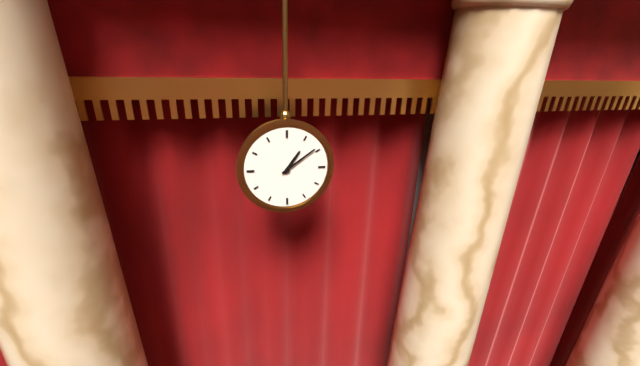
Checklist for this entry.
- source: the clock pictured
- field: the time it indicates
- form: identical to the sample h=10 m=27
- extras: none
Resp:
h=1 m=9
